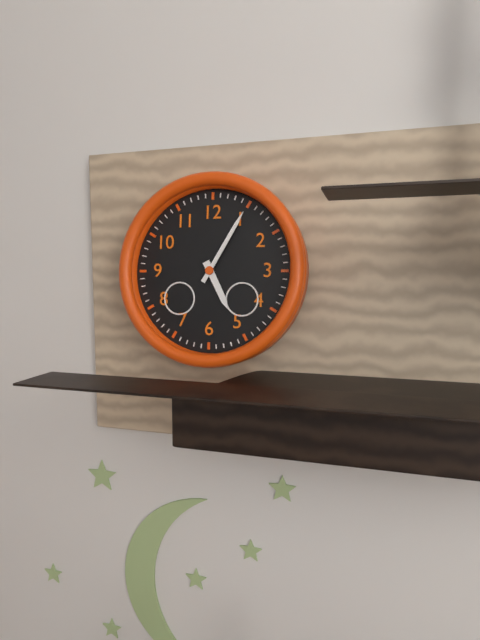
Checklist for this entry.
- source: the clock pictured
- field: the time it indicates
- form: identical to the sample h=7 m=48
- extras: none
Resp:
h=5 m=5
